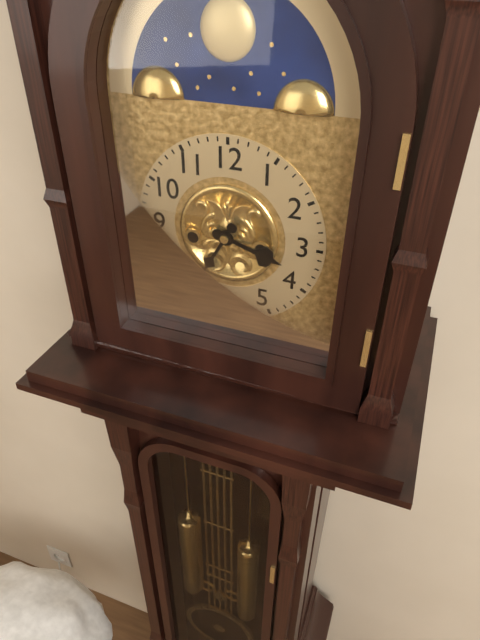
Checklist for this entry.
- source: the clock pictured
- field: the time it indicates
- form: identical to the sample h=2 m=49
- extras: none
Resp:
h=3 m=35
